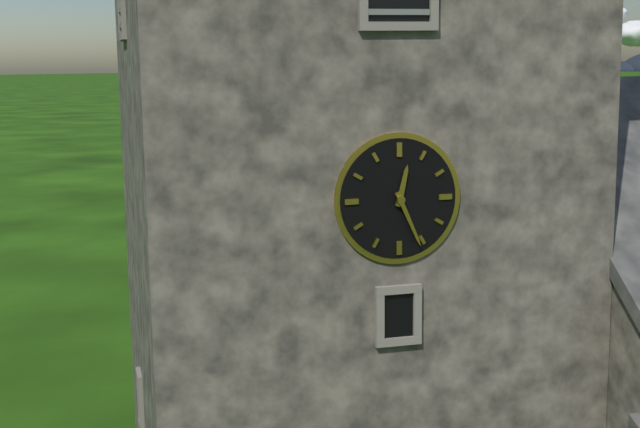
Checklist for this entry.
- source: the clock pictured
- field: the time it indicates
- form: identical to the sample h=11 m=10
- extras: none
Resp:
h=12 m=26
